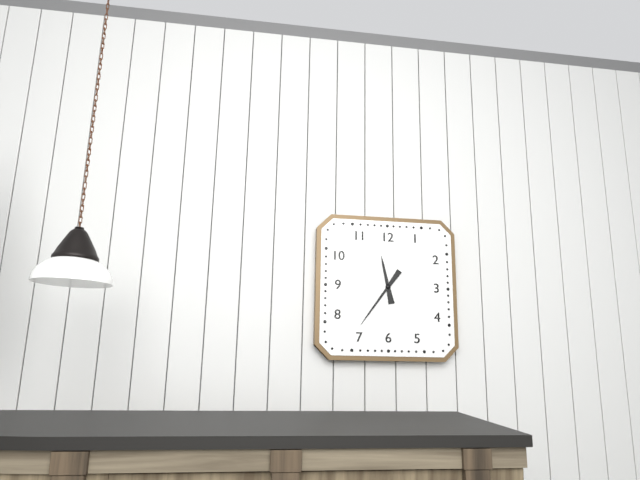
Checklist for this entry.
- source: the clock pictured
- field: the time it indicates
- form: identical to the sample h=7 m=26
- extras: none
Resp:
h=11 m=36
